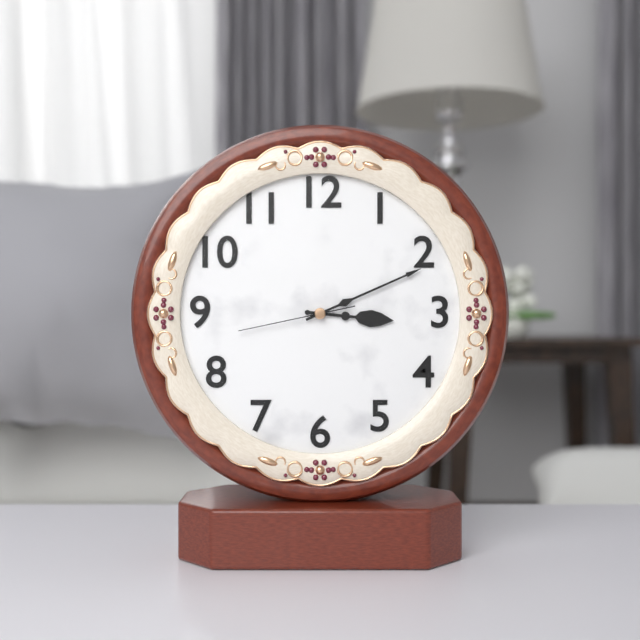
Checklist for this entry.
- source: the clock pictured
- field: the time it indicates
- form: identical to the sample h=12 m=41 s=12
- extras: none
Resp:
h=3 m=11 s=43
